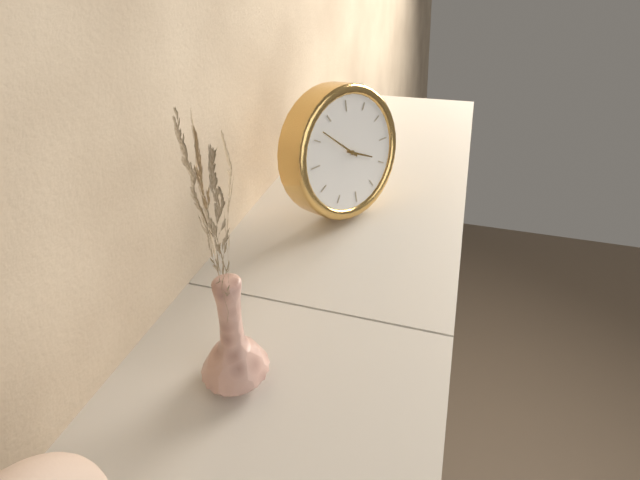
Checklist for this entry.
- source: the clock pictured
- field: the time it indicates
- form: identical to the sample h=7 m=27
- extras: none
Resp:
h=3 m=52
